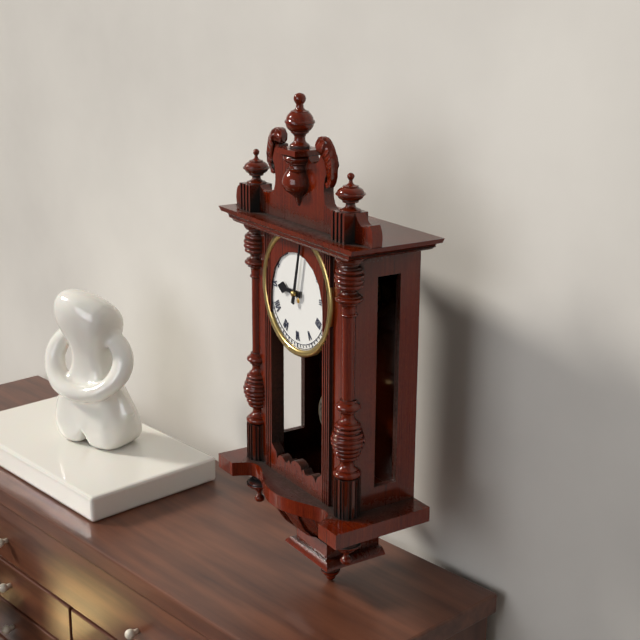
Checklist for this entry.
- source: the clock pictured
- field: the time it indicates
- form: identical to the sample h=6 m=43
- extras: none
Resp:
h=9 m=2
